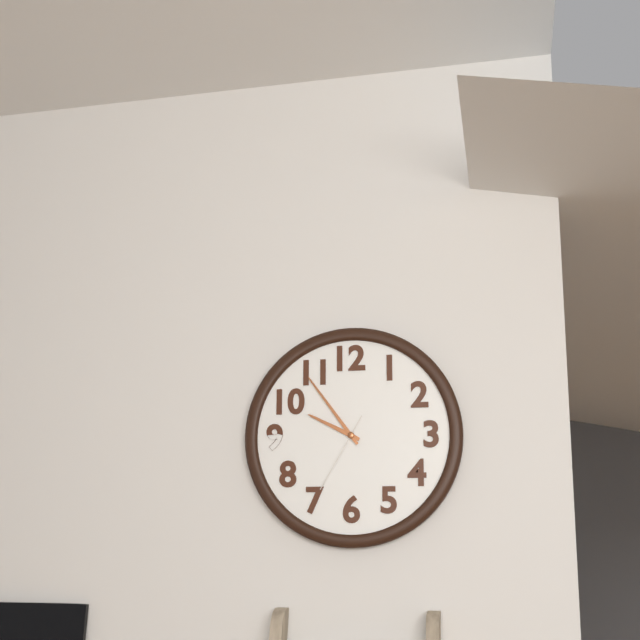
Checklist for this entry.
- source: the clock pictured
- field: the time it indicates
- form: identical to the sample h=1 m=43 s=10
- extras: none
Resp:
h=9 m=54 s=35
